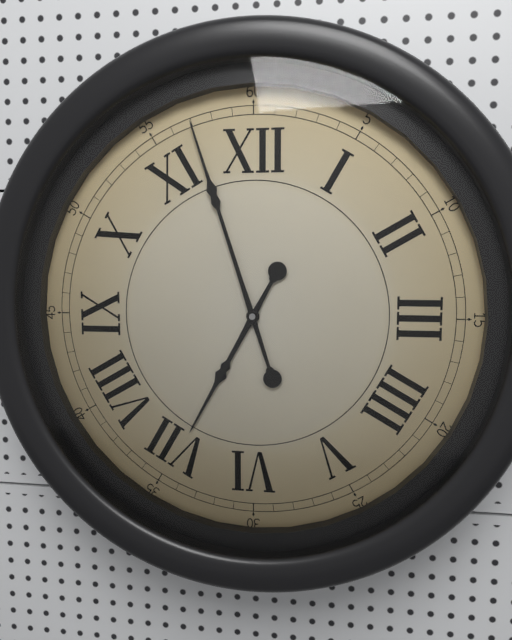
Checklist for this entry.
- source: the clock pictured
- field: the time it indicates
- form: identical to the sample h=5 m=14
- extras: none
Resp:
h=6 m=57
